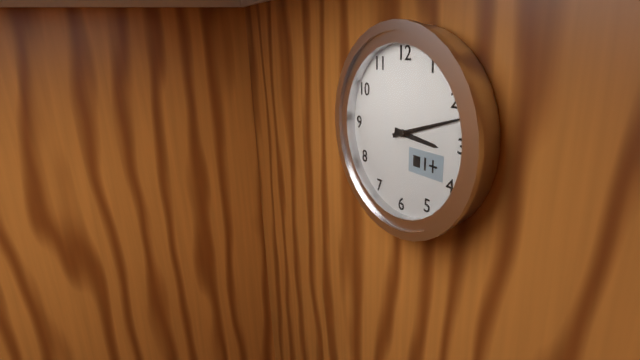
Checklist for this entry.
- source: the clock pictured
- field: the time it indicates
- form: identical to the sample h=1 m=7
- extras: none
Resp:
h=3 m=12
